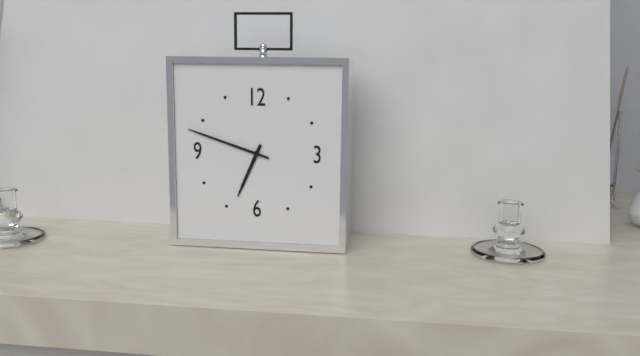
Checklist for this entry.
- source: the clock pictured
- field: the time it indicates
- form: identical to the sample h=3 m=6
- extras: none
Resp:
h=6 m=48
